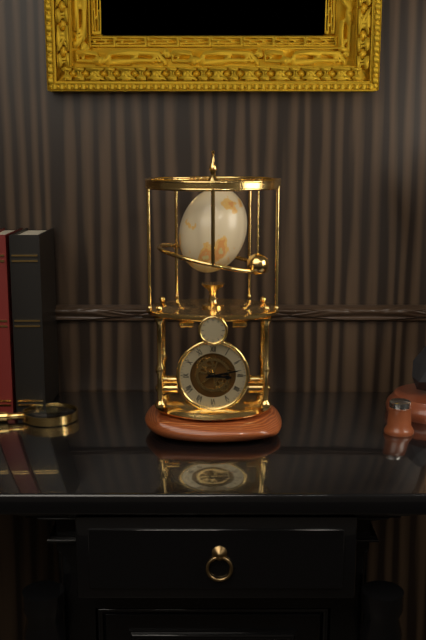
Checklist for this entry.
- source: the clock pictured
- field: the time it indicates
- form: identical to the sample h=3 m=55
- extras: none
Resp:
h=3 m=13
